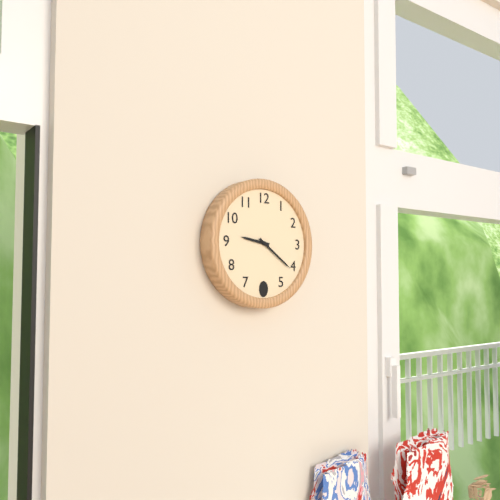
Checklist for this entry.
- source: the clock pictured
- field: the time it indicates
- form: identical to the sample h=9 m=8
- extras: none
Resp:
h=9 m=21
